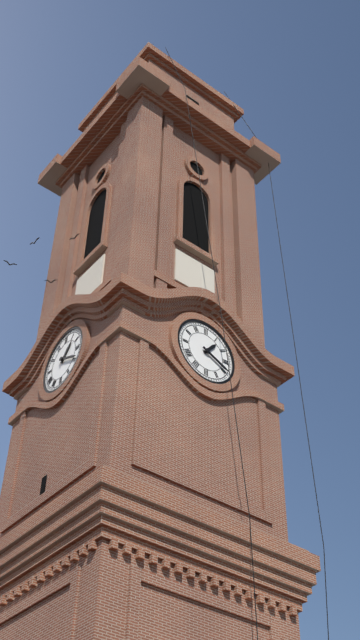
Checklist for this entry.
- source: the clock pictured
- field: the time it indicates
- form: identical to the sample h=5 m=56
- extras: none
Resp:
h=1 m=19
